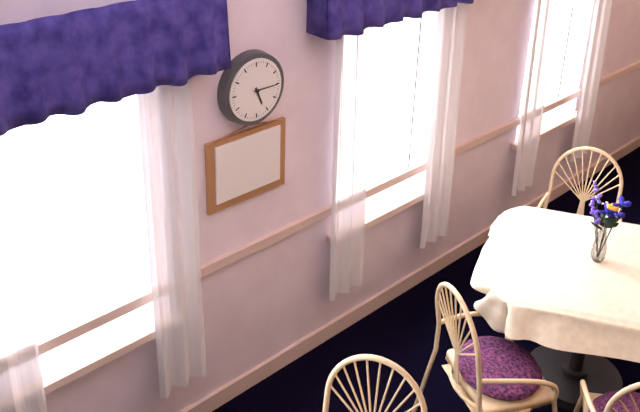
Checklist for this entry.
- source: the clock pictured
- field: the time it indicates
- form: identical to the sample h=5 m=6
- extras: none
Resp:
h=5 m=15
